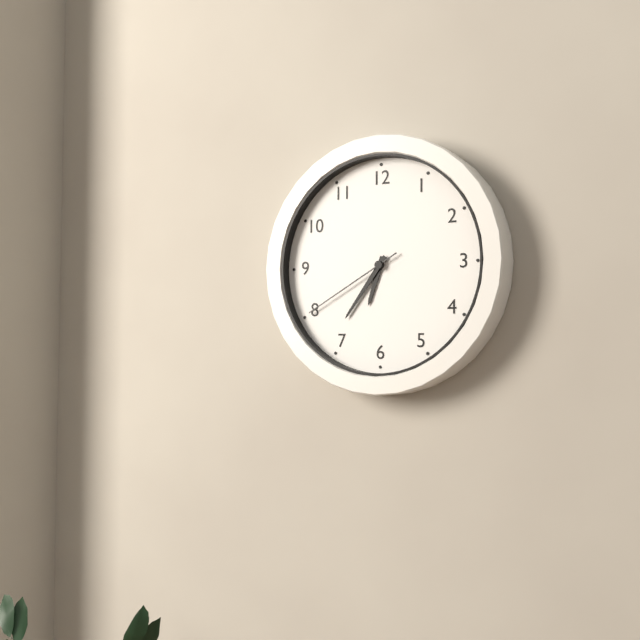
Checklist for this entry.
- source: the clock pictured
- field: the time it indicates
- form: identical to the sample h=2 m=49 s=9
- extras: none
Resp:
h=6 m=36 s=40
